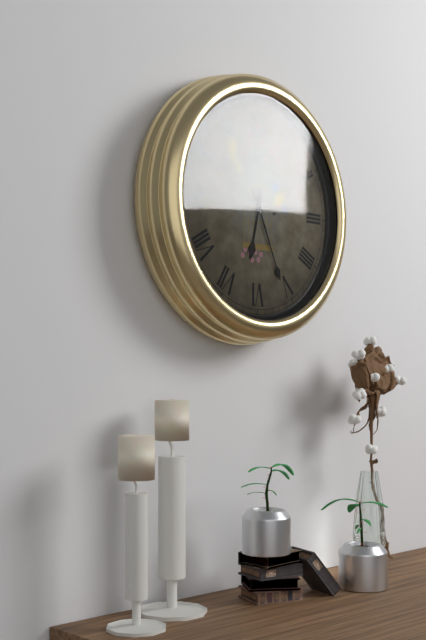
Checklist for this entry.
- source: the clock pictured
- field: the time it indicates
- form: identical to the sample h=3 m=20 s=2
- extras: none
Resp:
h=6 m=26 s=46
